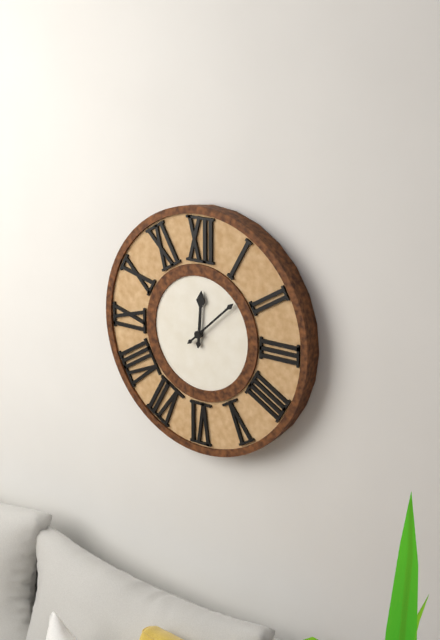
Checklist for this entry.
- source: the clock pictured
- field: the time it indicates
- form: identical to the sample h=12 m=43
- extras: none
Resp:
h=12 m=8
